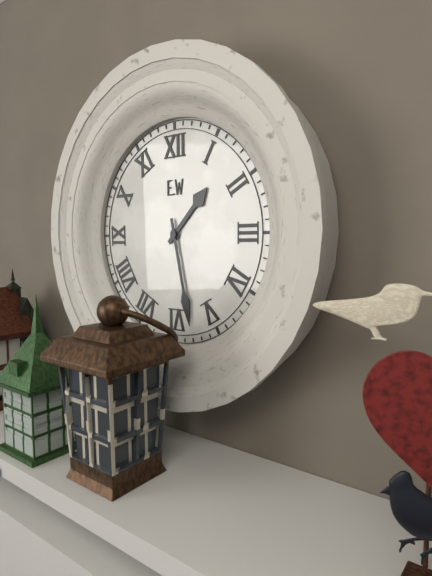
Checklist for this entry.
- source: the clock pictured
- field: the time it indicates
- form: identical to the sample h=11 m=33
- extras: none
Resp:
h=1 m=28
